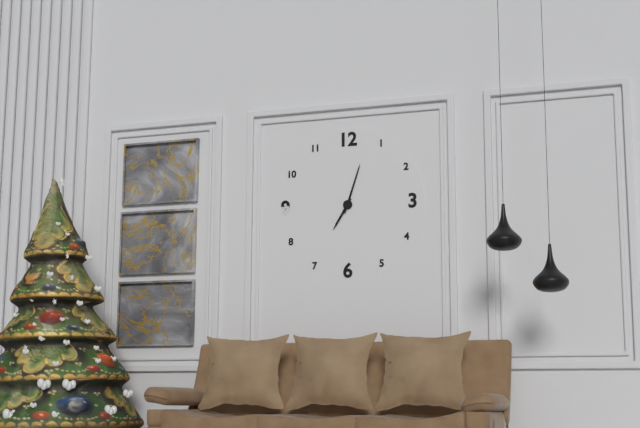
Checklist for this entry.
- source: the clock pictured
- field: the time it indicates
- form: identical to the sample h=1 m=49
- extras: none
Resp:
h=7 m=3
